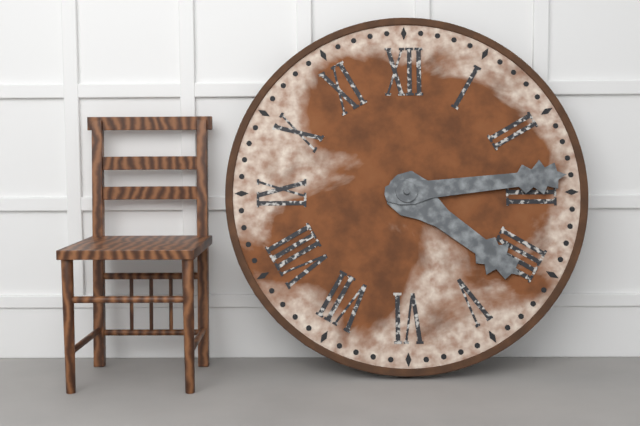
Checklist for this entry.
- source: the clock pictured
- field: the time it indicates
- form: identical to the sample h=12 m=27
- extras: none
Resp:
h=4 m=14
